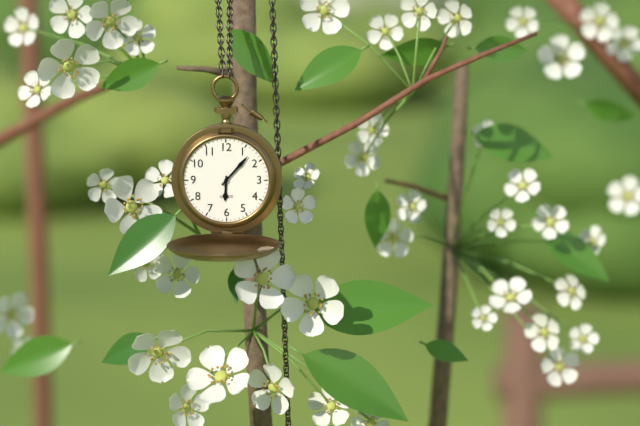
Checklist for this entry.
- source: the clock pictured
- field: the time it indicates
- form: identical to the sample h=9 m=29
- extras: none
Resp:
h=6 m=7
